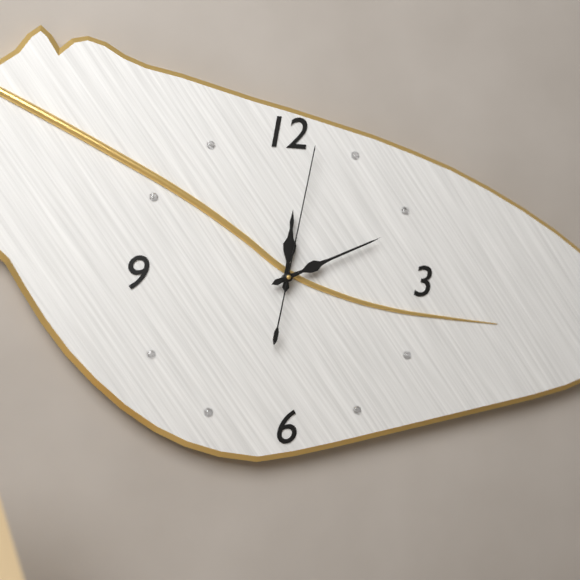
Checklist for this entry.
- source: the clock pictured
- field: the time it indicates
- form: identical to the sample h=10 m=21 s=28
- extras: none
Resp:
h=12 m=11 s=2
